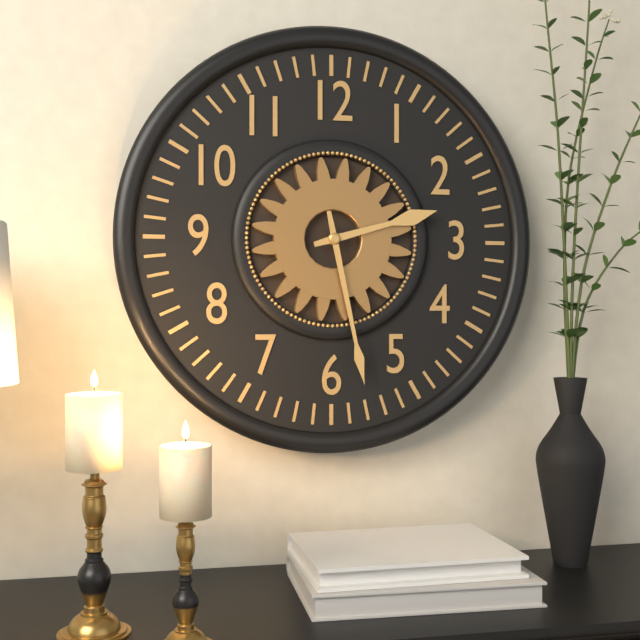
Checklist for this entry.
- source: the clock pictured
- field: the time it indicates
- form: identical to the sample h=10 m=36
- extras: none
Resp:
h=2 m=28
